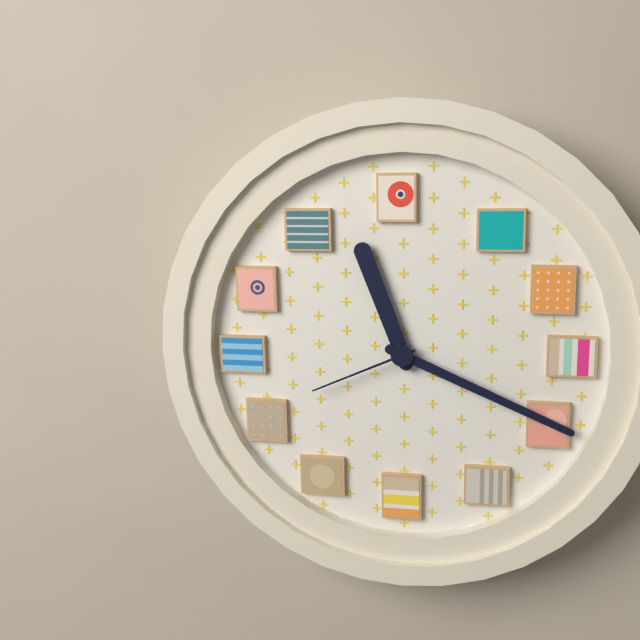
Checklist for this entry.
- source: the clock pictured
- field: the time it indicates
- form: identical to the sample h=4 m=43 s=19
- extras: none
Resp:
h=11 m=19 s=41
